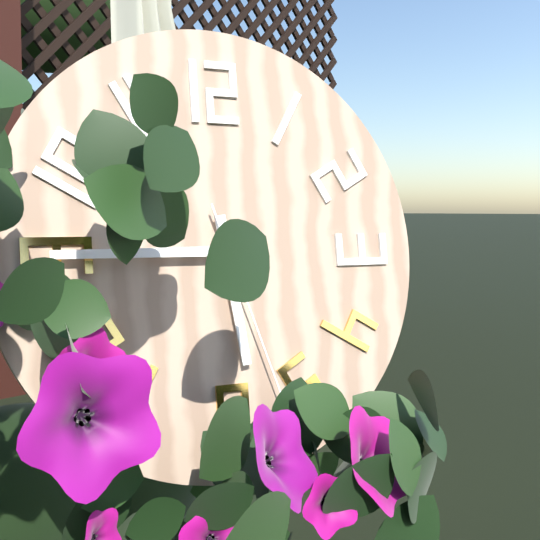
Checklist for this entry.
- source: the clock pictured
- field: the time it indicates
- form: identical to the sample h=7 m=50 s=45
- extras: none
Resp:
h=5 m=45 s=27
